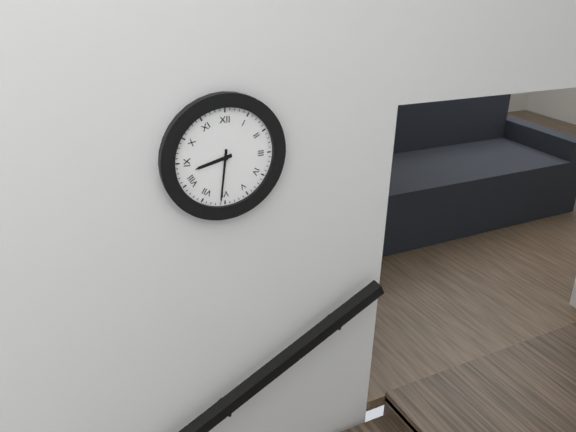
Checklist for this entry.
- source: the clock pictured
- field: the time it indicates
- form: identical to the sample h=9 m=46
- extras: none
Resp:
h=8 m=31
